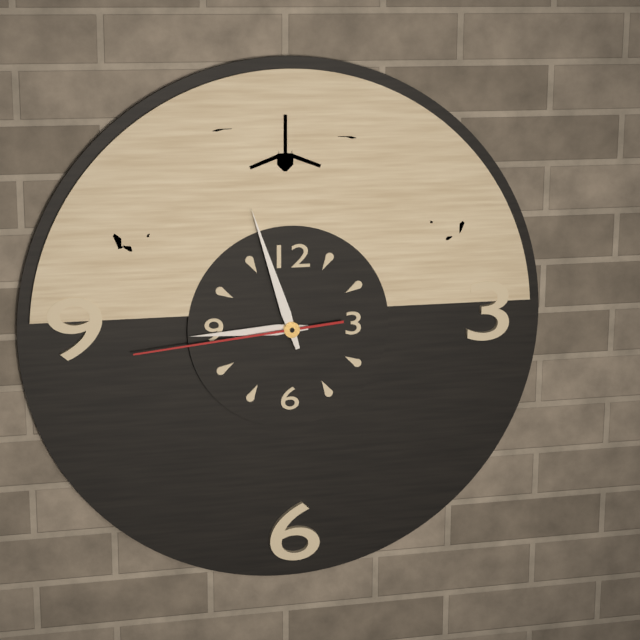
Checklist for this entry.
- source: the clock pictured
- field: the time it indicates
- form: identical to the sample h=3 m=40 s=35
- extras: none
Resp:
h=8 m=57 s=44
